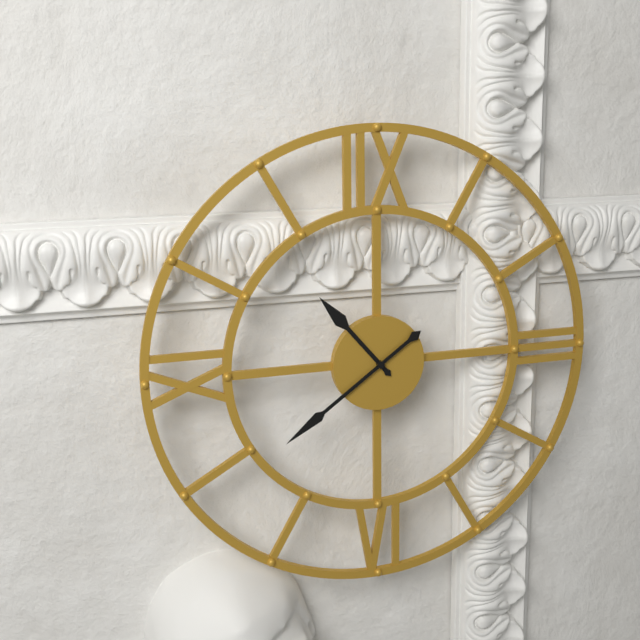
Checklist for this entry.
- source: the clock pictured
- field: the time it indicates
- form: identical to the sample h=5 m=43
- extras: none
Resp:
h=10 m=39
